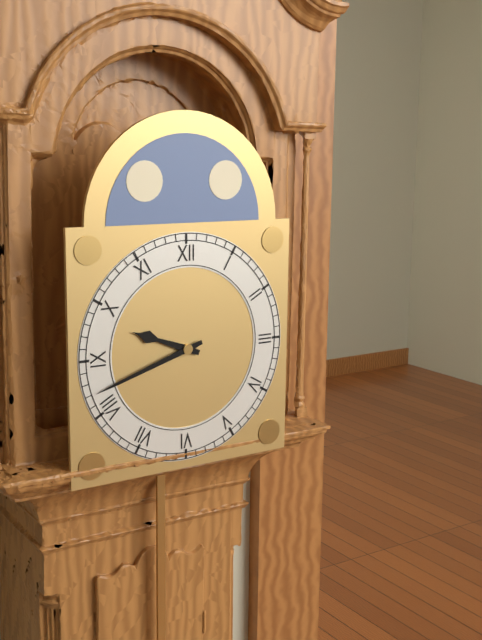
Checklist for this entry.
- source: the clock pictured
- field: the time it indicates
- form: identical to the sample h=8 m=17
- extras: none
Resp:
h=9 m=42
